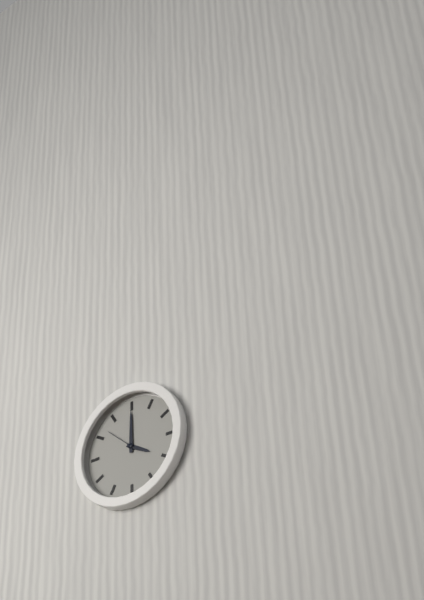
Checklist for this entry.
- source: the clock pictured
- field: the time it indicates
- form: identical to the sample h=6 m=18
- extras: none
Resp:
h=4 m=0
